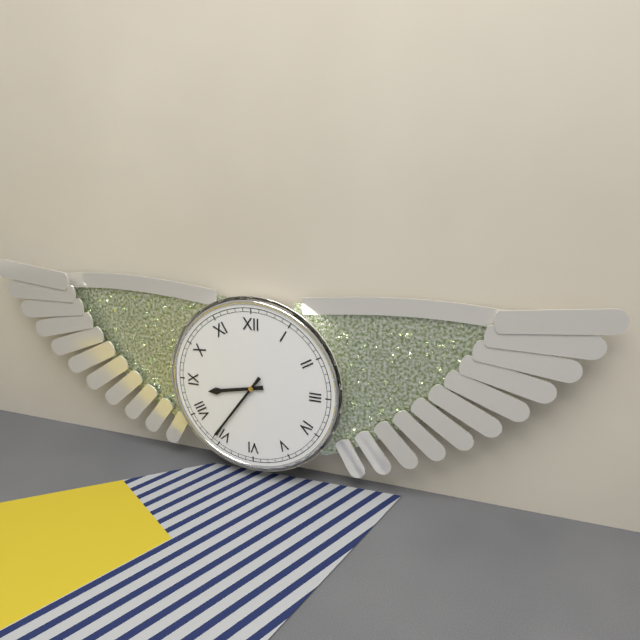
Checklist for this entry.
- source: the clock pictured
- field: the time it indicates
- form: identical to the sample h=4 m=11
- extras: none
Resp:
h=8 m=36
